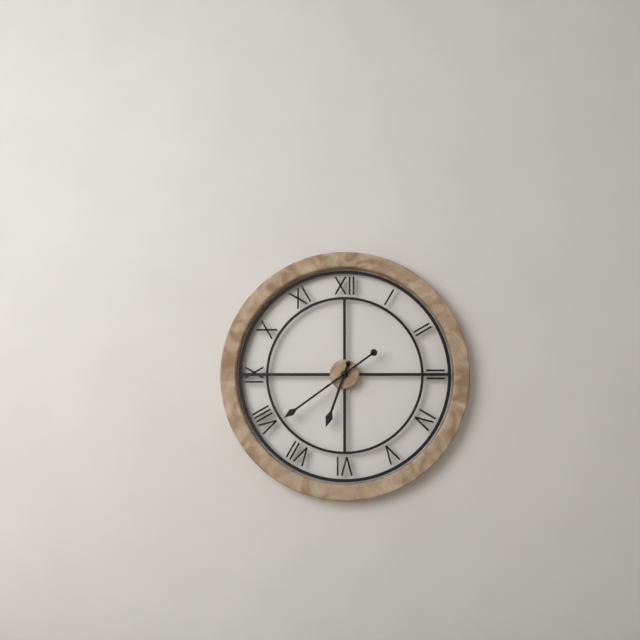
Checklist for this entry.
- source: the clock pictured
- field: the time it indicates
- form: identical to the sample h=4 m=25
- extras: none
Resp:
h=6 m=39
